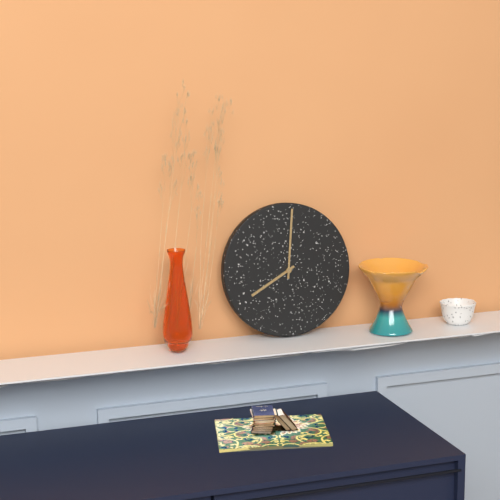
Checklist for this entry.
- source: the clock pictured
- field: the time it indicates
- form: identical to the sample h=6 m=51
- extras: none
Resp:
h=8 m=1
